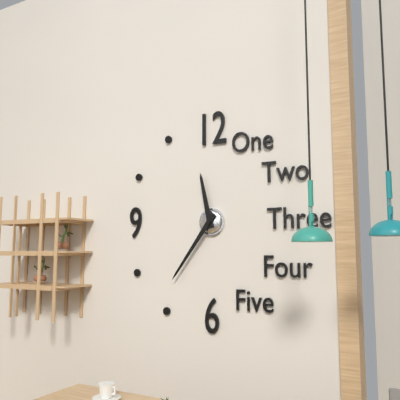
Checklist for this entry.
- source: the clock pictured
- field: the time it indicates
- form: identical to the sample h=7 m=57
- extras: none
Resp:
h=11 m=36
